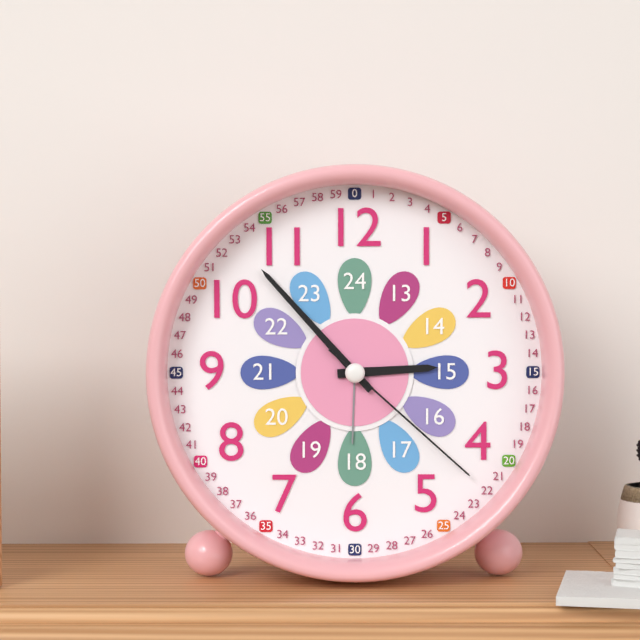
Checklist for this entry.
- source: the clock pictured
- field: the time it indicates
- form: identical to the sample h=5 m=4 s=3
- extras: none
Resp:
h=2 m=53 s=22
